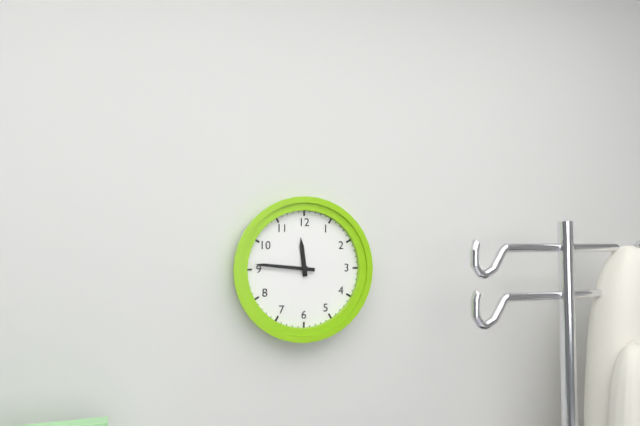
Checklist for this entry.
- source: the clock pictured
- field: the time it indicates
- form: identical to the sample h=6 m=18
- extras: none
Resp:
h=11 m=46
